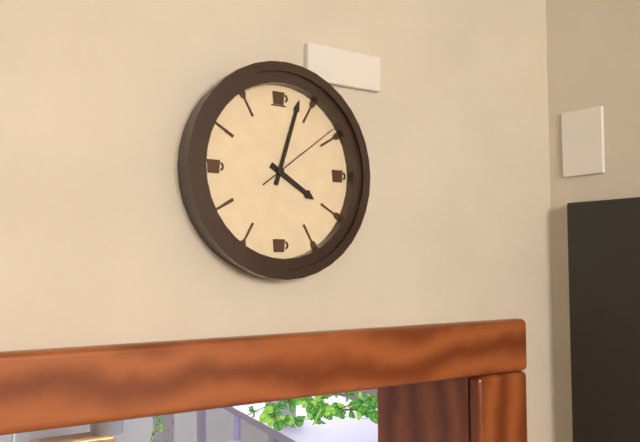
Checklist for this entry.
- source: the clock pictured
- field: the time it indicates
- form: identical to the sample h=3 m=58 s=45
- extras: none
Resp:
h=4 m=3 s=9
